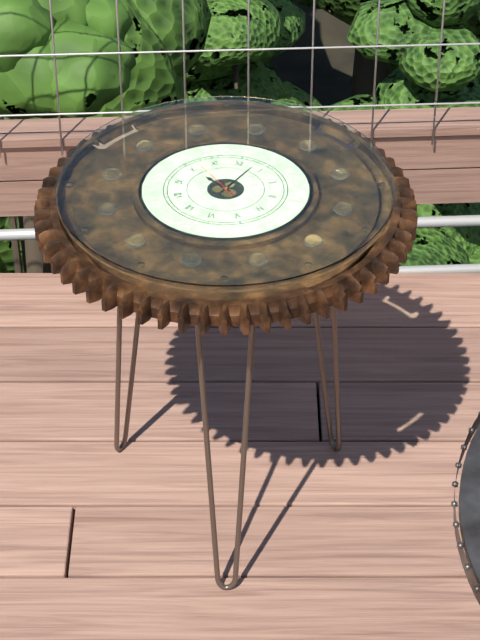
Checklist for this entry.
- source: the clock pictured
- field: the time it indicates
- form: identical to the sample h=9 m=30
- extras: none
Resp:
h=10 m=3
